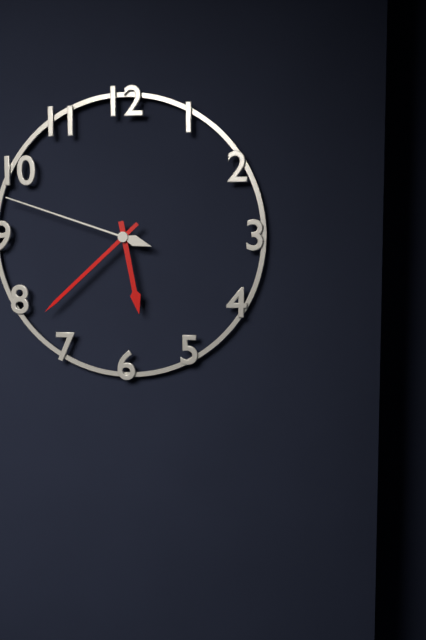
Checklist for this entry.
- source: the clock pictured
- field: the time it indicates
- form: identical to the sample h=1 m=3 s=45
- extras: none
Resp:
h=5 m=38 s=48
